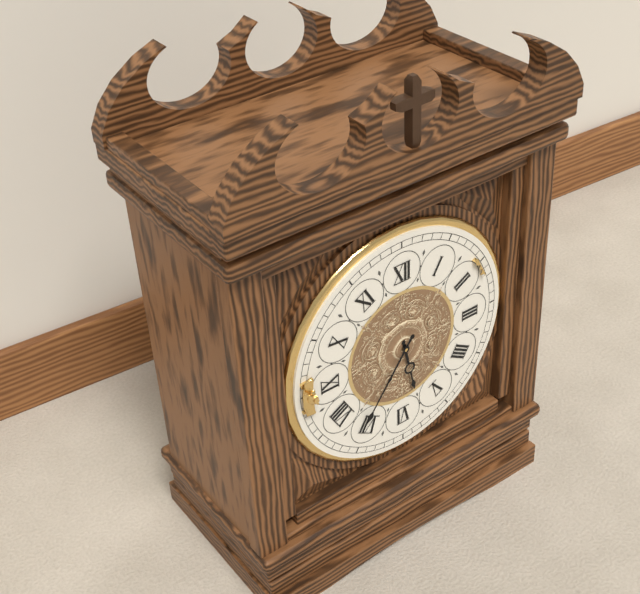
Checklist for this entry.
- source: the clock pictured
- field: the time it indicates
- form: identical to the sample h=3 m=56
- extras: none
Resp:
h=5 m=36
